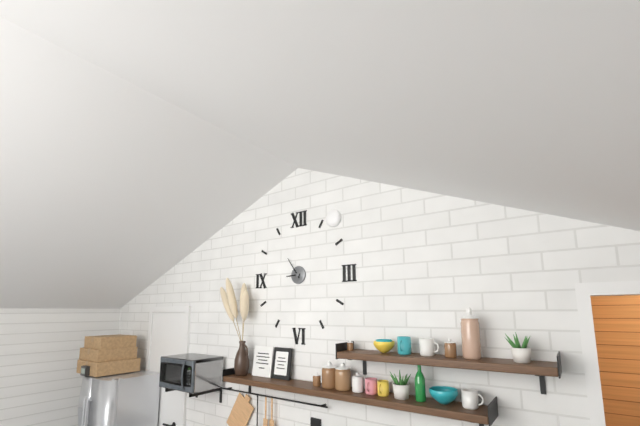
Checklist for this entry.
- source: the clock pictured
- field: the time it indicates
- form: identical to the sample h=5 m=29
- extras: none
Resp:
h=8 m=54
